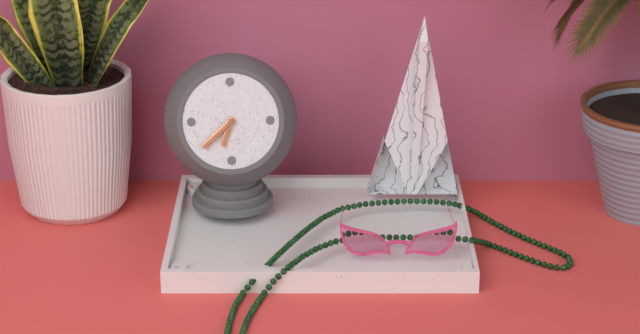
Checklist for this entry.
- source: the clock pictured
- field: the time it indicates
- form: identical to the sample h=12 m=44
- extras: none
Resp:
h=6 m=38
